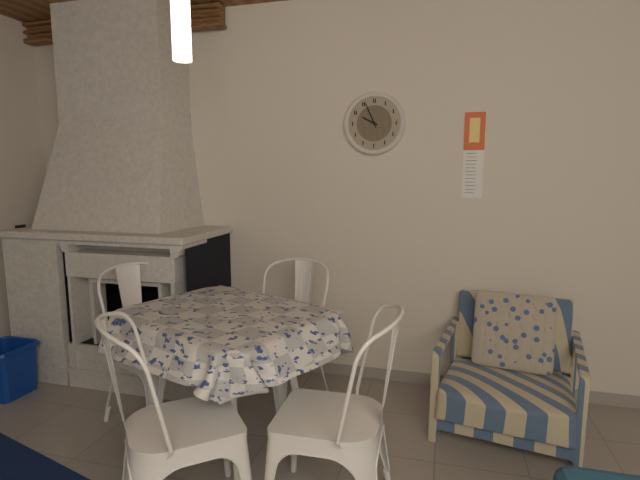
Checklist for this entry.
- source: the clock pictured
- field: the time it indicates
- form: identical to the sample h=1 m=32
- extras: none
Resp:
h=9 m=56
